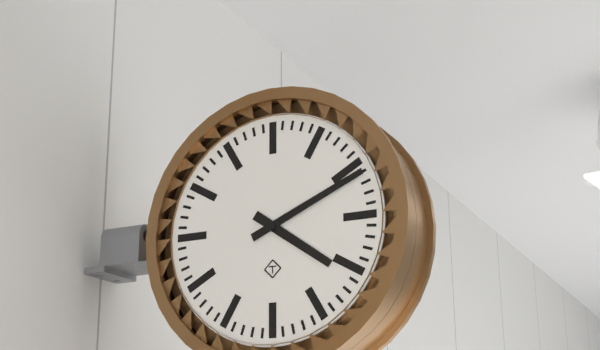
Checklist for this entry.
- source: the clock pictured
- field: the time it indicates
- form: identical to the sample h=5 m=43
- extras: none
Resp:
h=4 m=11
